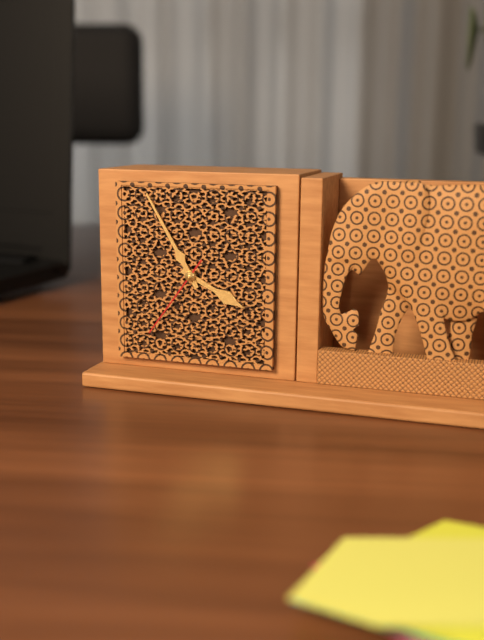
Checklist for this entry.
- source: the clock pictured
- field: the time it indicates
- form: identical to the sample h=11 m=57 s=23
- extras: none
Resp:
h=3 m=55 s=36
